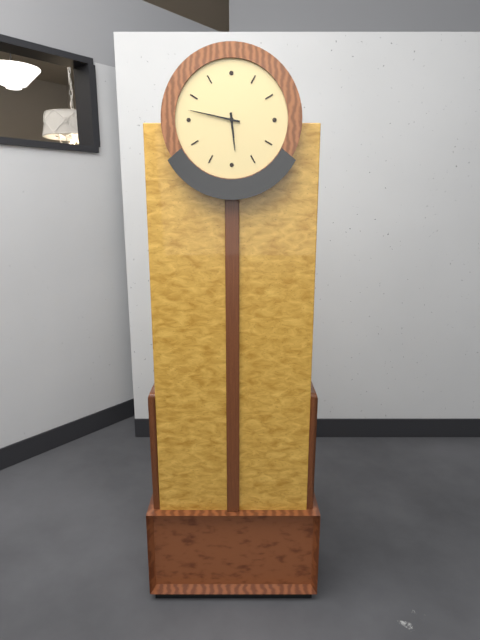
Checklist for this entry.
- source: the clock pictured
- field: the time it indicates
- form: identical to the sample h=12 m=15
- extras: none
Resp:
h=5 m=47
